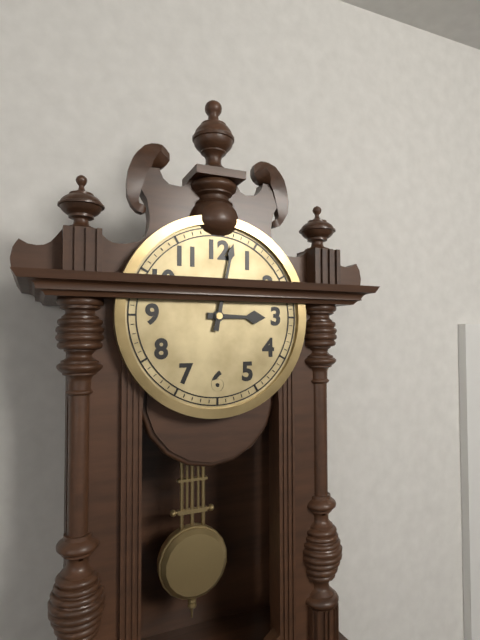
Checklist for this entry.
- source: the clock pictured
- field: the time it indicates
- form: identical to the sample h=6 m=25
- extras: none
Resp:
h=3 m=2
